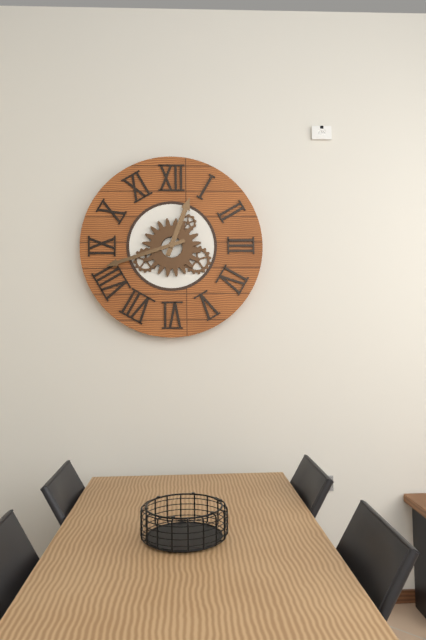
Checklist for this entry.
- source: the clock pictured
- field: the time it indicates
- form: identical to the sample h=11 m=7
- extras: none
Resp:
h=12 m=42
